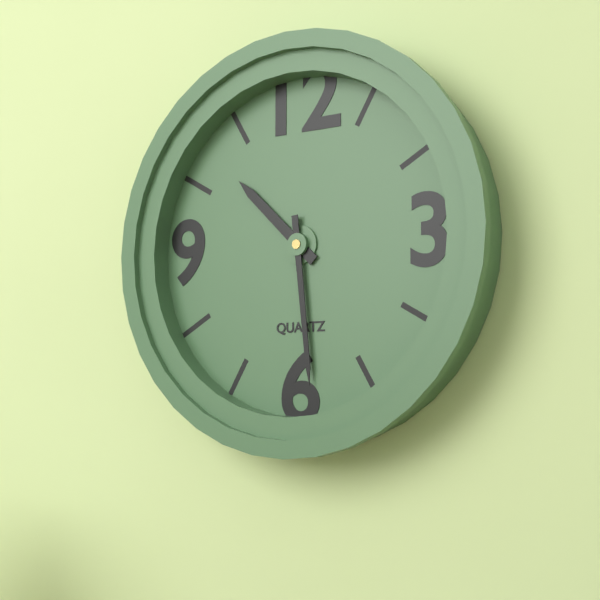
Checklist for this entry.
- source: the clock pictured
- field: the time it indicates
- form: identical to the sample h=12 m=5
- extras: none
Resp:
h=10 m=29
